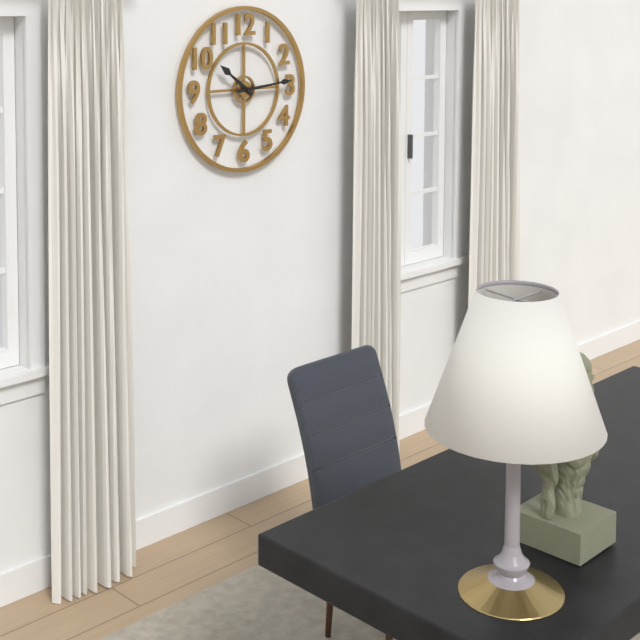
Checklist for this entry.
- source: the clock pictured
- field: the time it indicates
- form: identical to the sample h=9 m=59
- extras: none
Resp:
h=10 m=14
